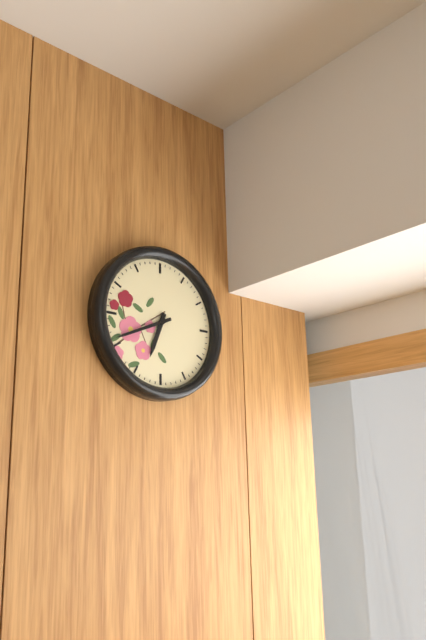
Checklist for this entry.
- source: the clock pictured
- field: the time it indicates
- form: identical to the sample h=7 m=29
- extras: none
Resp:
h=6 m=41
